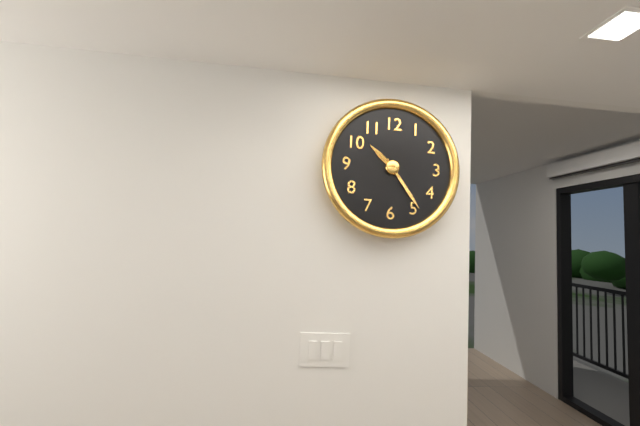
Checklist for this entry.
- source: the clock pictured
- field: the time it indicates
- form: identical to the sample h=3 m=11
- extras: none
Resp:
h=10 m=24
